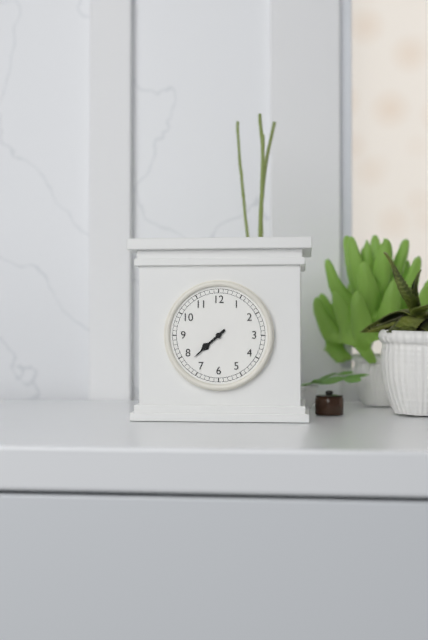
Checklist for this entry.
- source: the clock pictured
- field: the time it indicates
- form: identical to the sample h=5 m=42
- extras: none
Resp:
h=7 m=38
